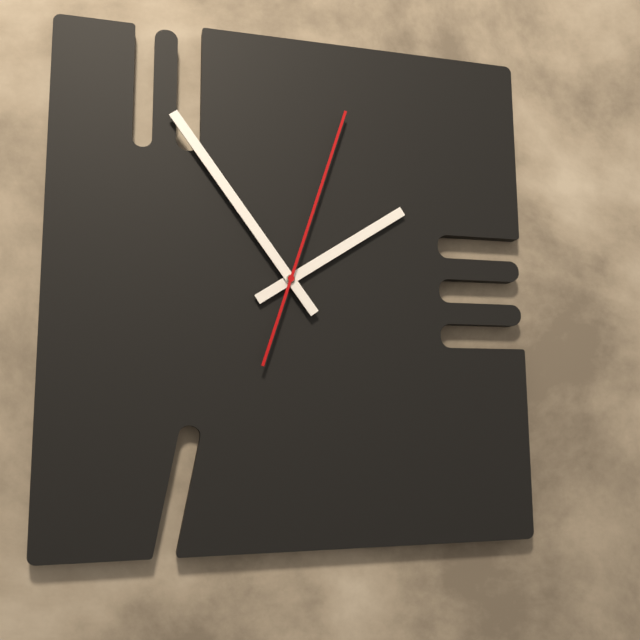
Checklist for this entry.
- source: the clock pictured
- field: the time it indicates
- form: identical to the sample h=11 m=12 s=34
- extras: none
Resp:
h=1 m=54 s=3
